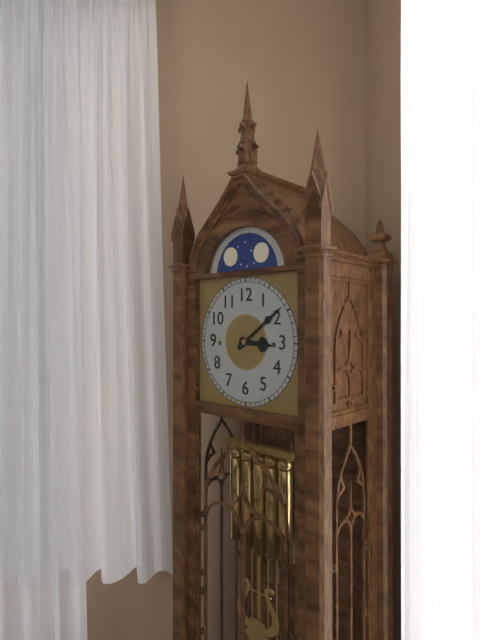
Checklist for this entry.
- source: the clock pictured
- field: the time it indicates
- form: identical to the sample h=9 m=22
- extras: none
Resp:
h=3 m=9
